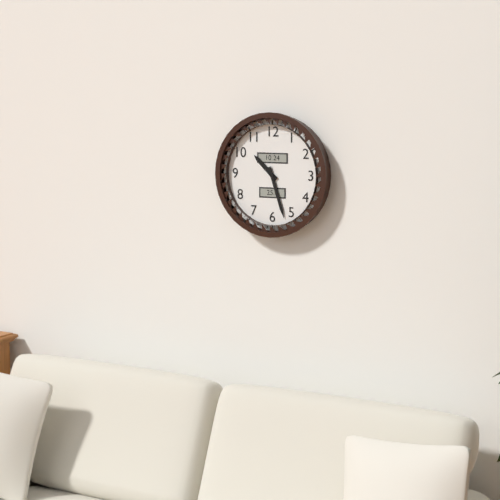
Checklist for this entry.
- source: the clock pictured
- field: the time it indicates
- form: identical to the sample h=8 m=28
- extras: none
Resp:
h=10 m=27
